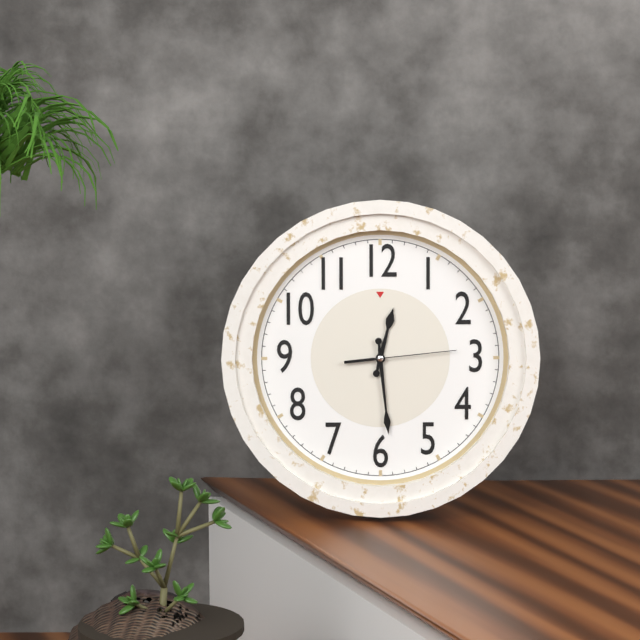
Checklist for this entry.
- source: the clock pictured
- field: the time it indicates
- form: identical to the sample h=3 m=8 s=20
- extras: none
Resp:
h=12 m=29 s=14
